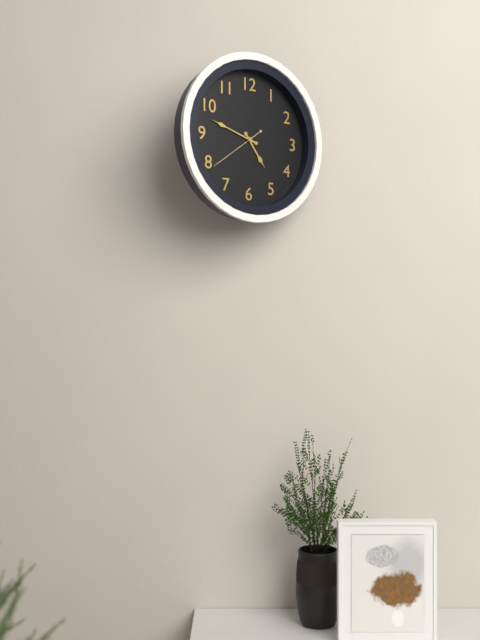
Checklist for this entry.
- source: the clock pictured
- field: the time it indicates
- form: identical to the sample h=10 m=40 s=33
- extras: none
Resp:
h=4 m=48 s=39
